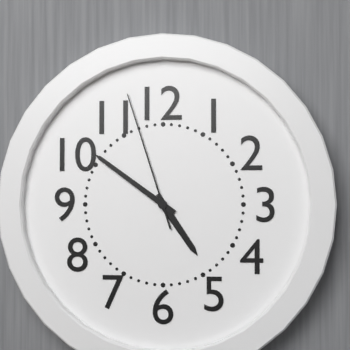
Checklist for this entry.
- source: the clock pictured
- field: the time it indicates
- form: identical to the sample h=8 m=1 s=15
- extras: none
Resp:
h=4 m=51 s=57
